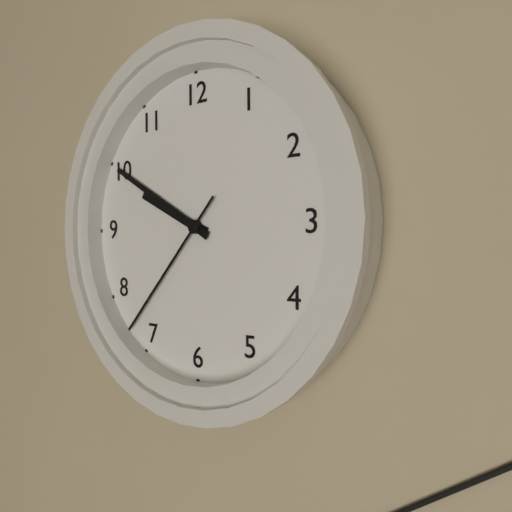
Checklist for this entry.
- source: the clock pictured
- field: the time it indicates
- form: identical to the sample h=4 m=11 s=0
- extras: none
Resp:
h=9 m=50 s=37
